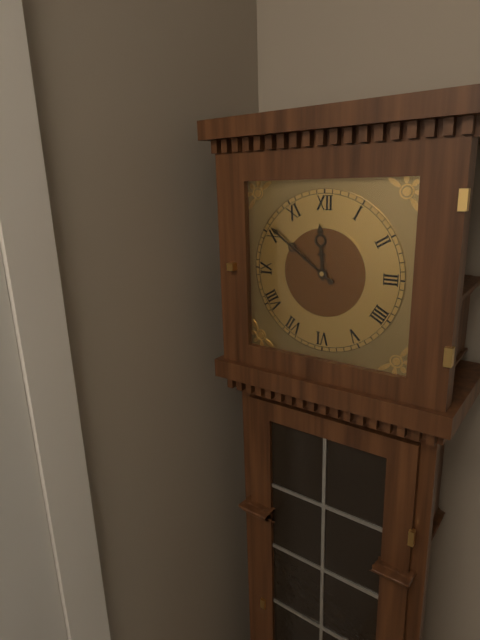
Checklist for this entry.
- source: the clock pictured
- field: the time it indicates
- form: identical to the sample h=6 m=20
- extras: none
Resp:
h=11 m=51
